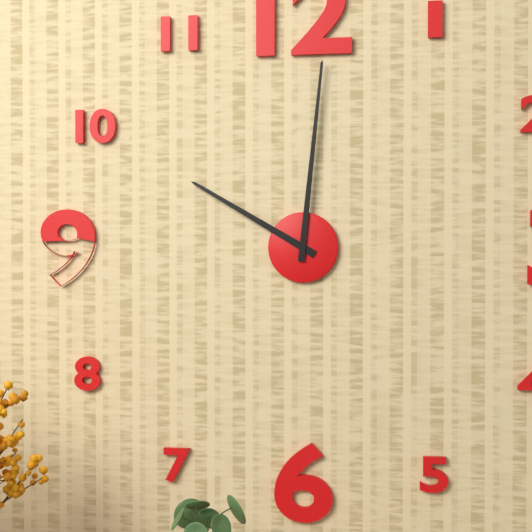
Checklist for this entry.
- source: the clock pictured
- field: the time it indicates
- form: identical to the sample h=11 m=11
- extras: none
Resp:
h=10 m=1
